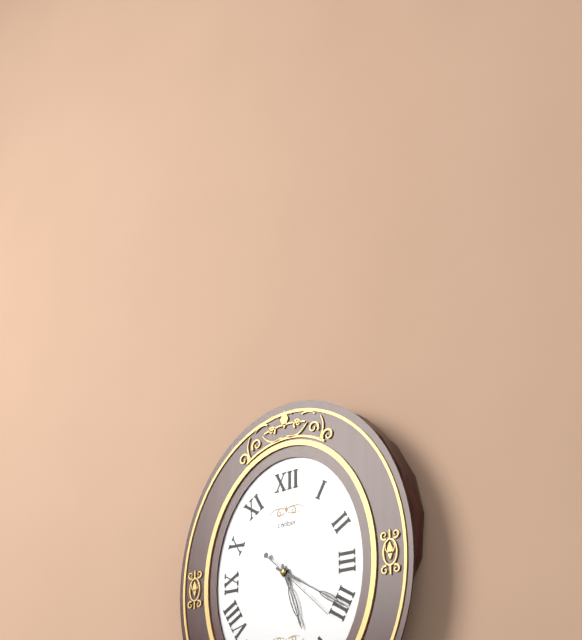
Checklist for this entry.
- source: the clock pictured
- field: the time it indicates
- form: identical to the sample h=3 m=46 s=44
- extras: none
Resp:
h=5 m=20 s=22
